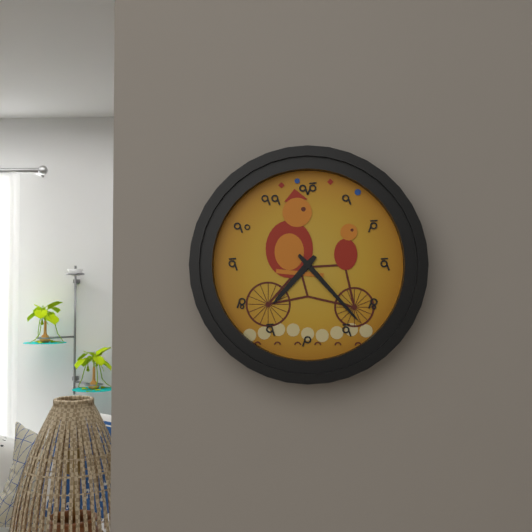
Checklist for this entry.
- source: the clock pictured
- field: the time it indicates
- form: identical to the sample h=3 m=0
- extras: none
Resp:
h=7 m=23
